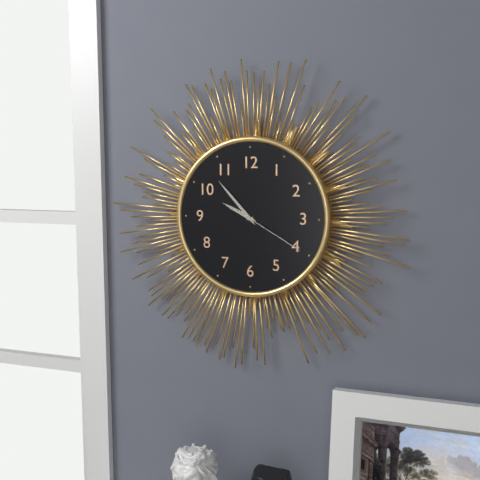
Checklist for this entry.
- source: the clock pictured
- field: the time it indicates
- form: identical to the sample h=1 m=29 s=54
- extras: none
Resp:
h=9 m=53 s=20
